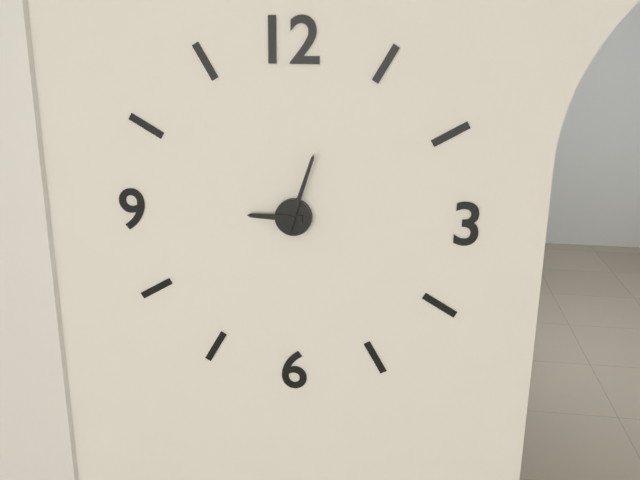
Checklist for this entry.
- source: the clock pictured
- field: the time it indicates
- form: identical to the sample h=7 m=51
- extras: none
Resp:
h=9 m=3
